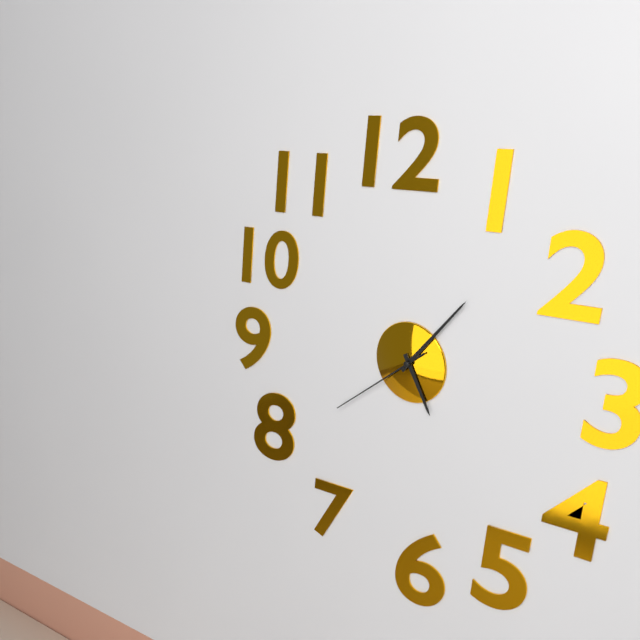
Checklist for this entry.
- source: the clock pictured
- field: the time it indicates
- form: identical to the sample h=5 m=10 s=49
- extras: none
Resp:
h=5 m=7 s=39
